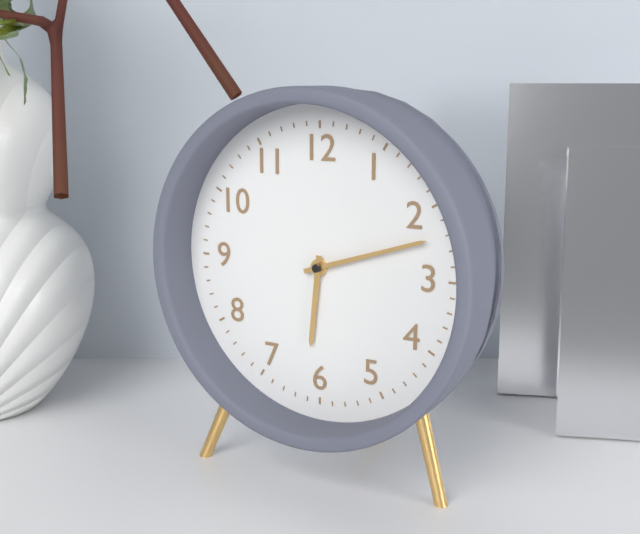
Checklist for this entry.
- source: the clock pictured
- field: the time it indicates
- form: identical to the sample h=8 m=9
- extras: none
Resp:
h=6 m=12
